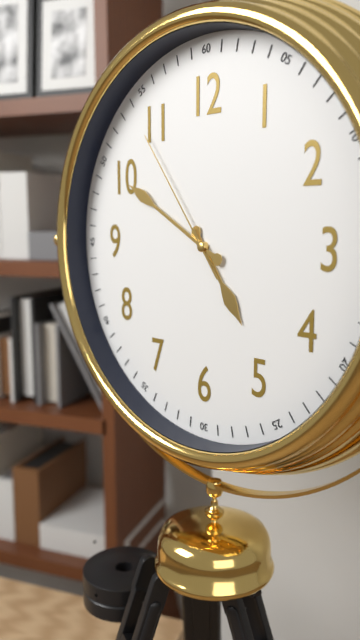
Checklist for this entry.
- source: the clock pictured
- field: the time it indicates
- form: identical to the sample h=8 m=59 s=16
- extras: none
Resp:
h=4 m=50 s=54
